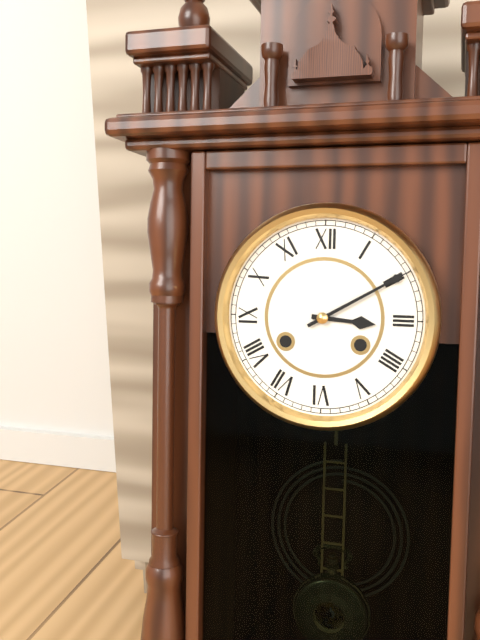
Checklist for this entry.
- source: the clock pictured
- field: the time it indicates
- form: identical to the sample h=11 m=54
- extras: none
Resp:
h=3 m=10
